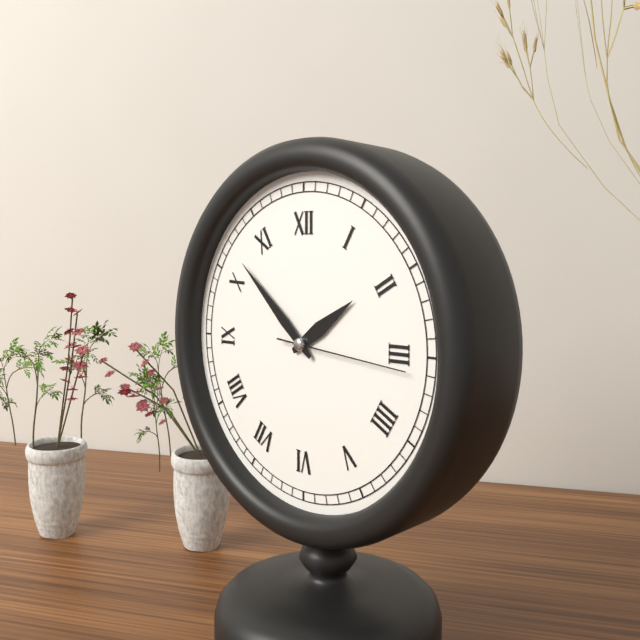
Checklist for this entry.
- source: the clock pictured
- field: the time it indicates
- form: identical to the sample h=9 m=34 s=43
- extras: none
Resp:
h=1 m=52 s=16
